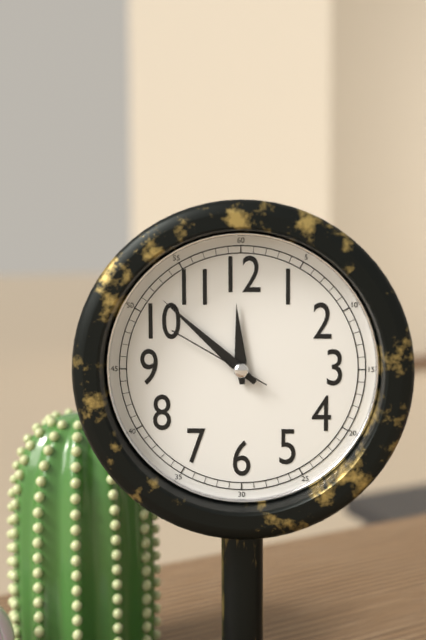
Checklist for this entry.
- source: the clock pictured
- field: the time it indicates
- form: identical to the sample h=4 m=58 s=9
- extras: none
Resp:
h=11 m=52 s=50
